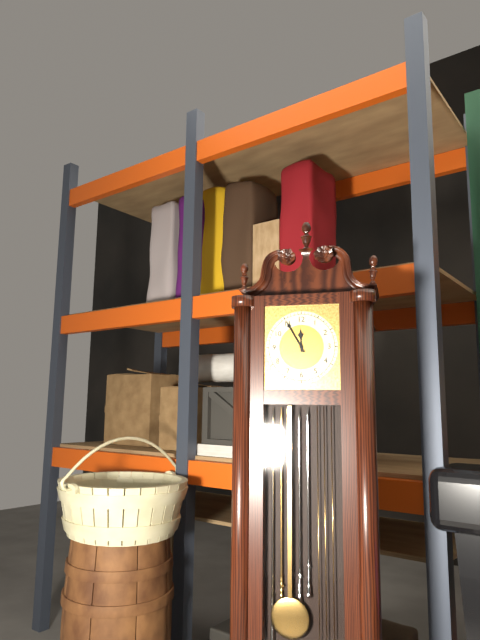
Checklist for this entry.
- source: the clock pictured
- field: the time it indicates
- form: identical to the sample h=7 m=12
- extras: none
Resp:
h=11 m=55
